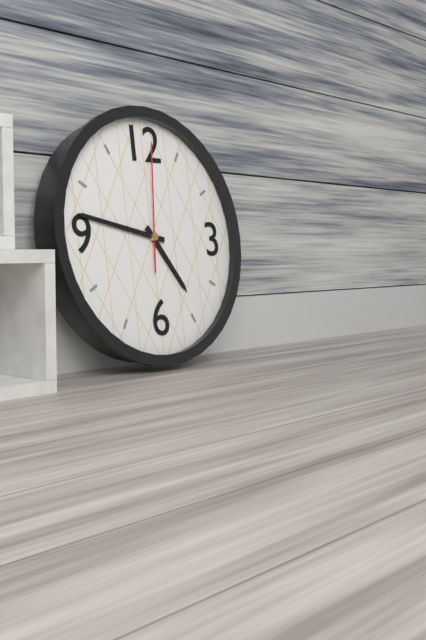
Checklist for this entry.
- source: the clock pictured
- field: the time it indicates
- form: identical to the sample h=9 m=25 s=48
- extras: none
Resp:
h=4 m=47 s=1
